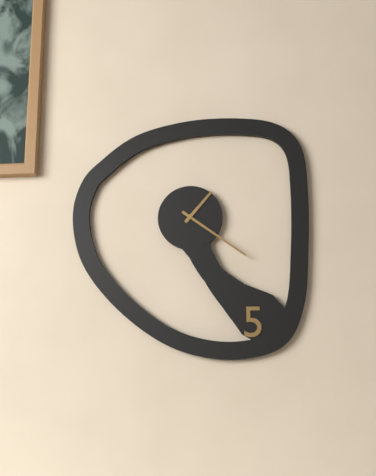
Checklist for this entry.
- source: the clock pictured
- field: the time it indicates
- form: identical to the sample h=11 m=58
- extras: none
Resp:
h=1 m=21
